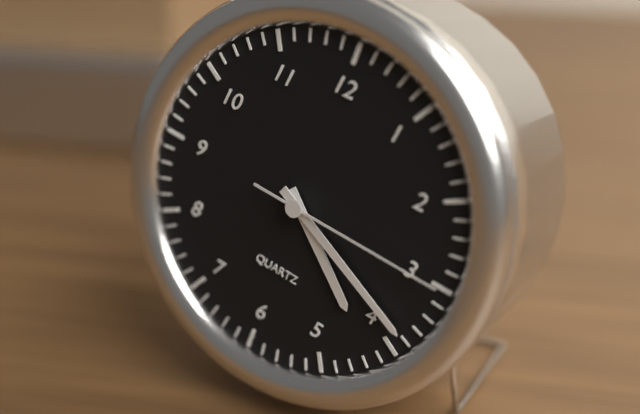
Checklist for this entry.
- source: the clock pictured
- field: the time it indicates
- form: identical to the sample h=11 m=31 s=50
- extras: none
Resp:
h=4 m=19 s=15
